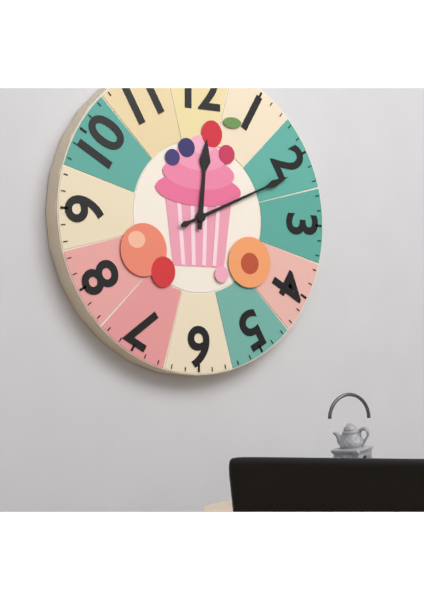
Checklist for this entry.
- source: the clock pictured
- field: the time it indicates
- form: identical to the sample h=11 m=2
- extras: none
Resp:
h=12 m=11
